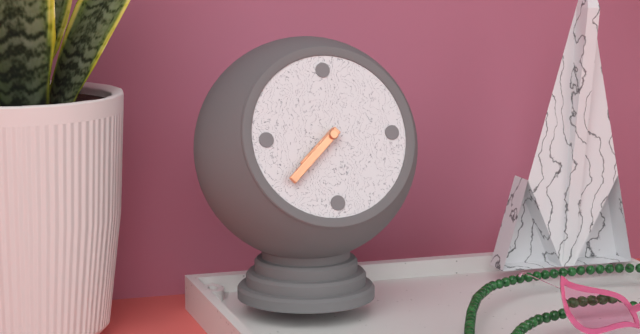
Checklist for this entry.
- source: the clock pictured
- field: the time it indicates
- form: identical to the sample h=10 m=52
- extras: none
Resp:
h=7 m=38
